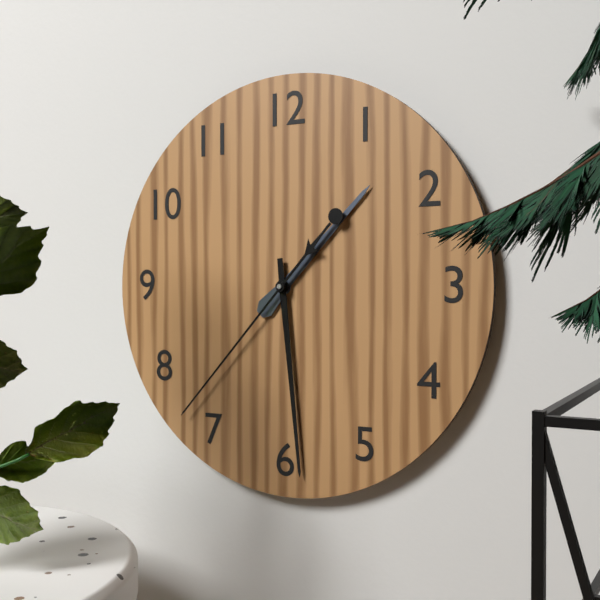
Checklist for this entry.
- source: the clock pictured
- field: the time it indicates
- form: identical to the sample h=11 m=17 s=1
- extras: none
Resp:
h=1 m=29 s=37
